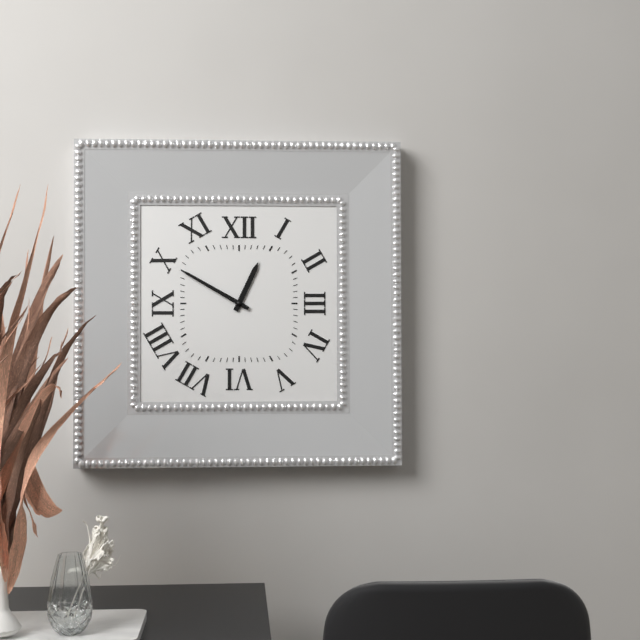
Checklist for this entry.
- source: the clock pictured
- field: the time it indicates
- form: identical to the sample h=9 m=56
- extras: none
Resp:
h=12 m=50
